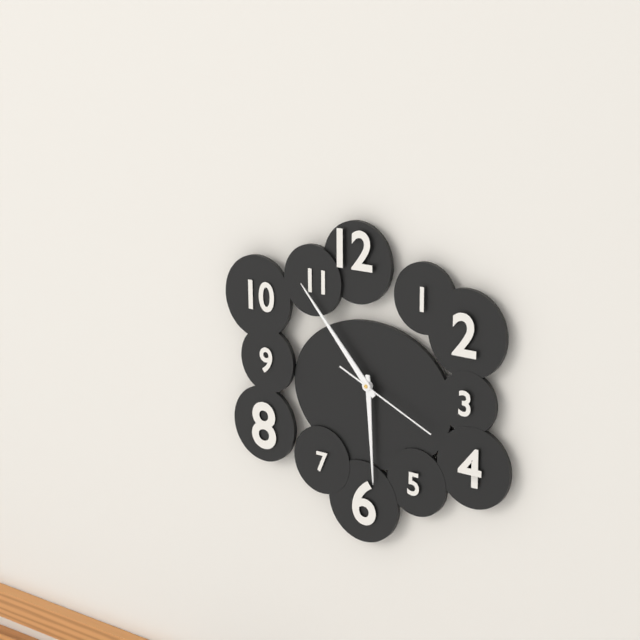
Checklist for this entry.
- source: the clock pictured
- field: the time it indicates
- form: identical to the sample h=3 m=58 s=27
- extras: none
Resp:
h=5 m=53 s=19
